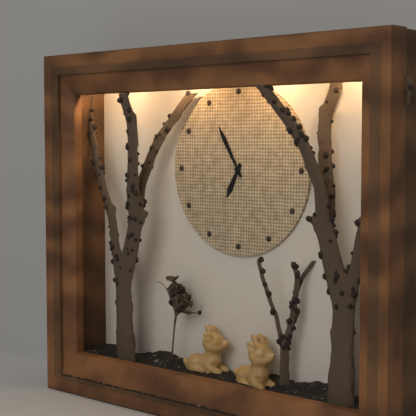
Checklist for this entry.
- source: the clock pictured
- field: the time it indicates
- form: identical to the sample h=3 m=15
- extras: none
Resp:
h=6 m=55
